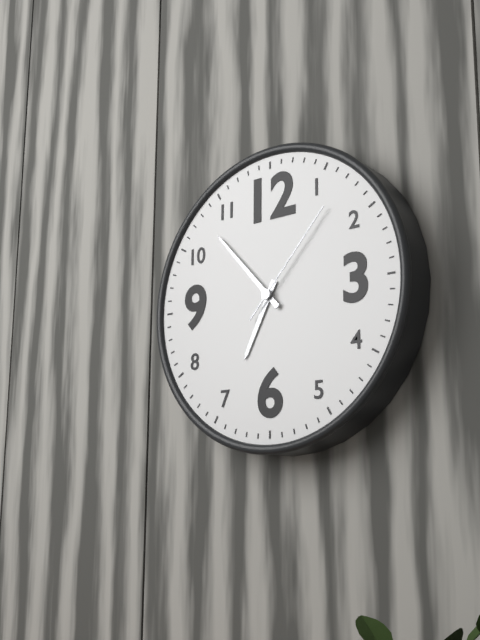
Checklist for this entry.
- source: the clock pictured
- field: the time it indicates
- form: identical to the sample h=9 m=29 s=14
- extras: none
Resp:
h=6 m=53 s=7
